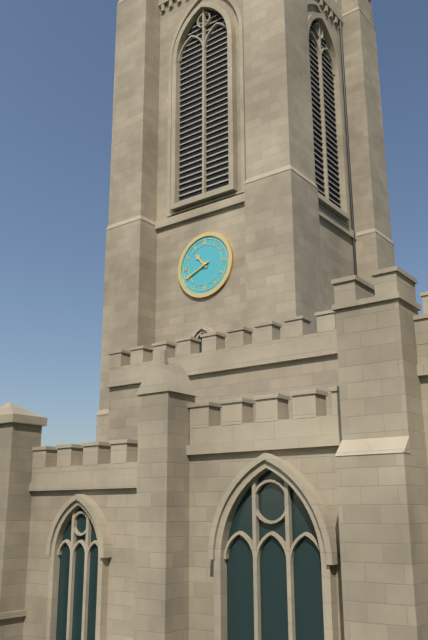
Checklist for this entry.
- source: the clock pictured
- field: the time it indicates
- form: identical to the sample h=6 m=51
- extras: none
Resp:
h=10 m=41
